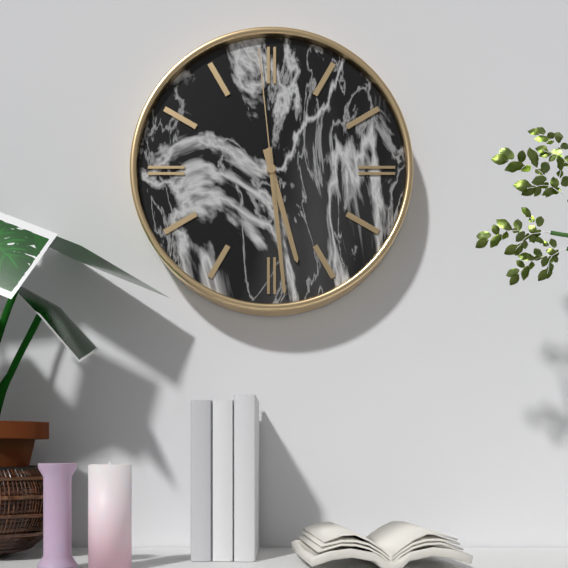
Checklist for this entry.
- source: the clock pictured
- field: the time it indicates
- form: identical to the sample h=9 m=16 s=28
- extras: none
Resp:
h=5 m=29 s=59
